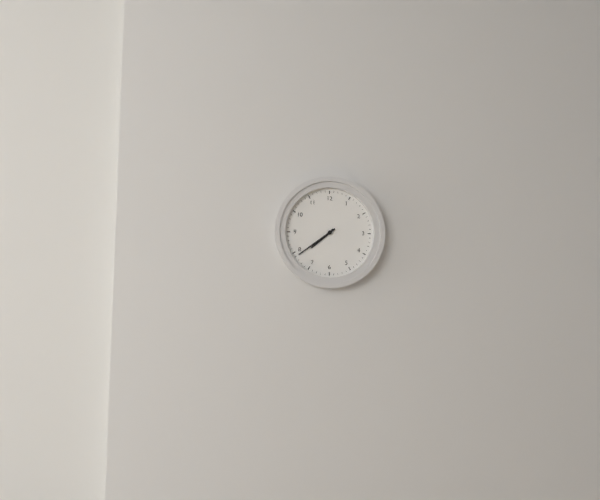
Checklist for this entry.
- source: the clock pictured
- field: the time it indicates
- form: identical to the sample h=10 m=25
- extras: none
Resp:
h=7 m=39
